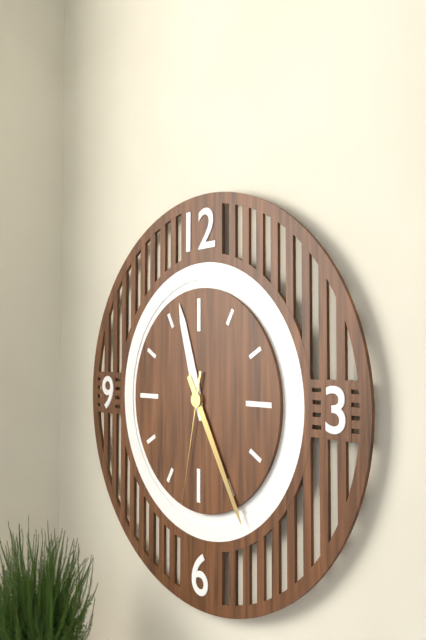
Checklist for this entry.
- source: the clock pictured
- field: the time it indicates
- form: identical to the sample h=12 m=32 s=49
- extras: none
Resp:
h=11 m=25 s=32
